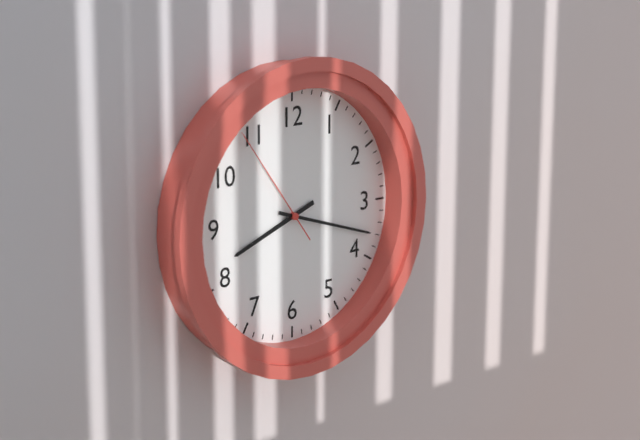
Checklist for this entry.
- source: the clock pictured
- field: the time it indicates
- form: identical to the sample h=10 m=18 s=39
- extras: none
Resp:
h=8 m=18 s=54
